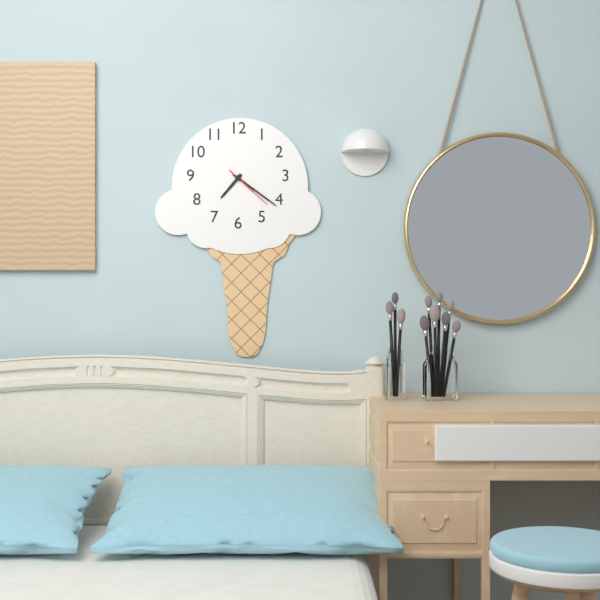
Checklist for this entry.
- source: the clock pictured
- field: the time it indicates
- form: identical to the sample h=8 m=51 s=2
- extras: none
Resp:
h=7 m=21 s=22
